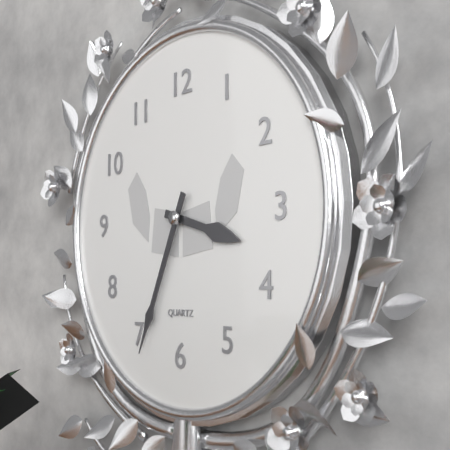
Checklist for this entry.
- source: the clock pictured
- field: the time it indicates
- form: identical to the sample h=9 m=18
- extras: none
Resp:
h=3 m=34
